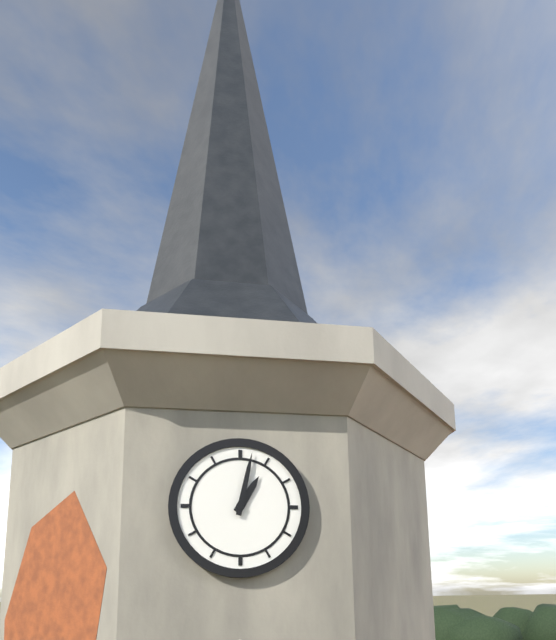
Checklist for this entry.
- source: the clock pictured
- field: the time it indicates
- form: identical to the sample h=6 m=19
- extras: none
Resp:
h=1 m=2
